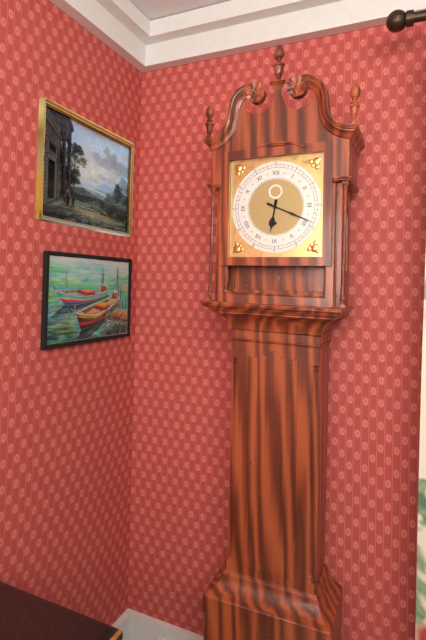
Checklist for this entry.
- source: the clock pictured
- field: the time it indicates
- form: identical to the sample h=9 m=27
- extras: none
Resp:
h=6 m=19
